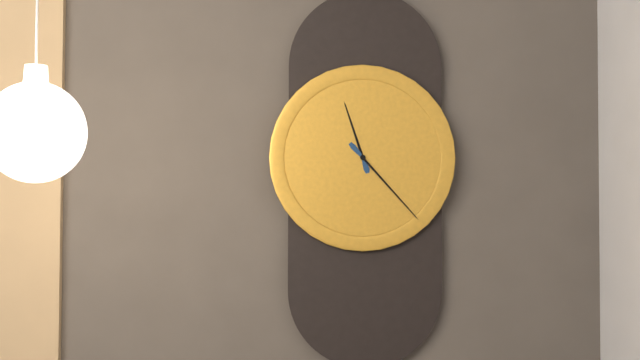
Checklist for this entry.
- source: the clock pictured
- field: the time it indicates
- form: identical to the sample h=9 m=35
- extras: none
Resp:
h=11 m=23
